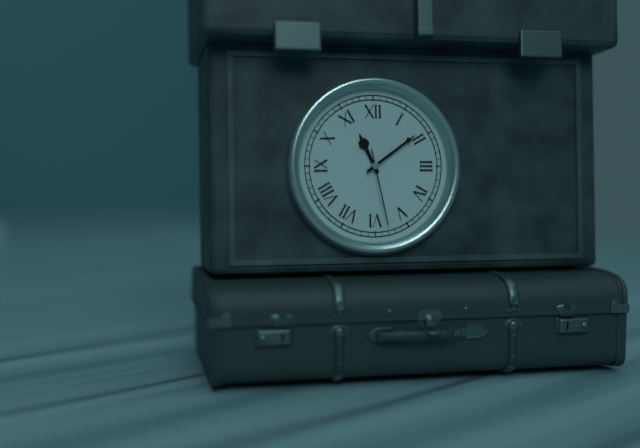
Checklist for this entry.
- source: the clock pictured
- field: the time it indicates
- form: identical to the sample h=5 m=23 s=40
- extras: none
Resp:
h=11 m=9 s=28
